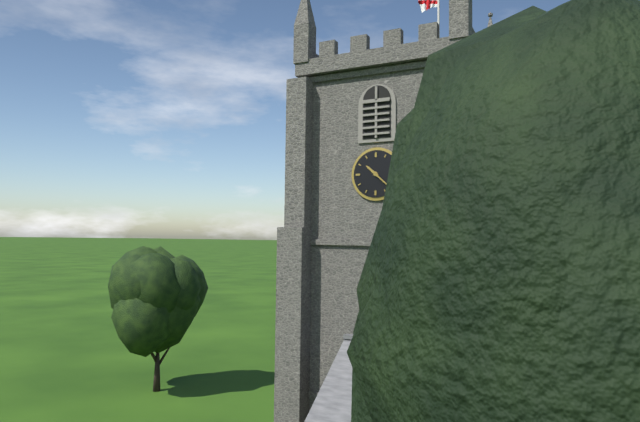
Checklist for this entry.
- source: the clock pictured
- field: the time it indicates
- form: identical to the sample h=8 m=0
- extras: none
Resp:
h=10 m=22
